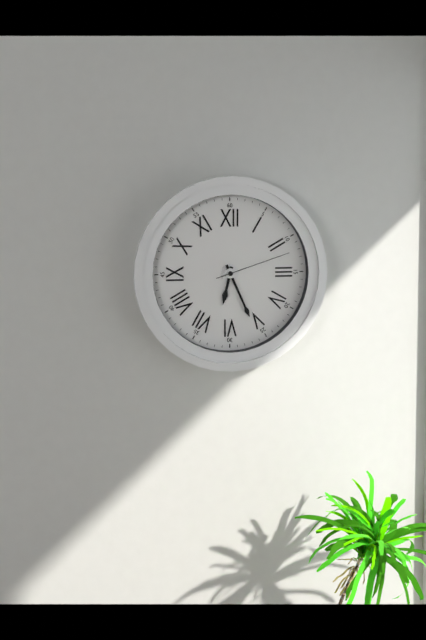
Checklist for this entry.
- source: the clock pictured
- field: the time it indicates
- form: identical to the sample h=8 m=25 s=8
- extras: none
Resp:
h=6 m=26 s=12
